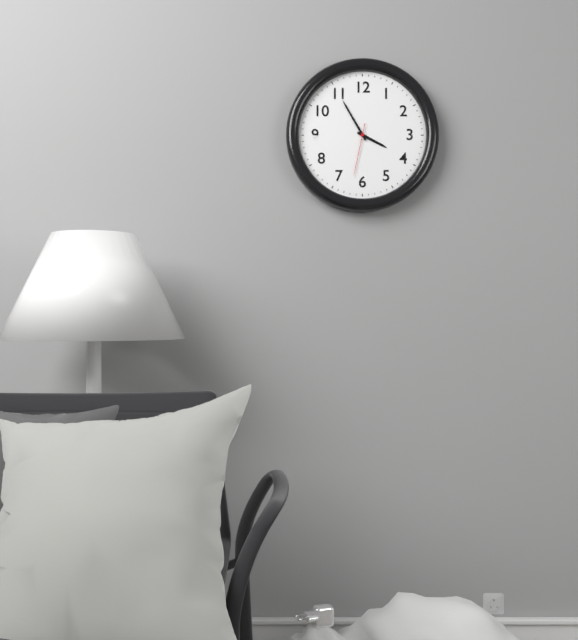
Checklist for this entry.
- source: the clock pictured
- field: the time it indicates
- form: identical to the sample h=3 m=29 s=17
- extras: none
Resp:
h=3 m=55 s=32
